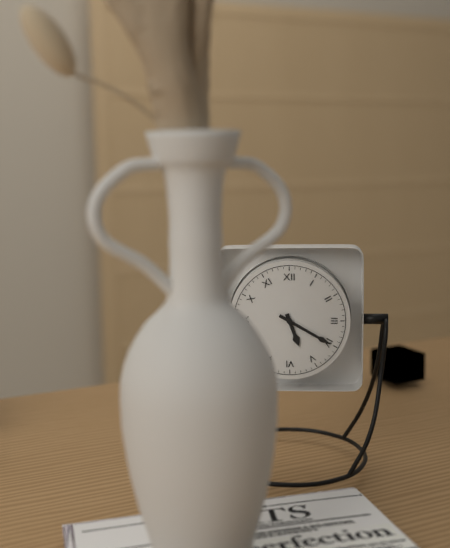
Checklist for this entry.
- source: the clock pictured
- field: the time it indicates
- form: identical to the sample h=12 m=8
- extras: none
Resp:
h=5 m=20
